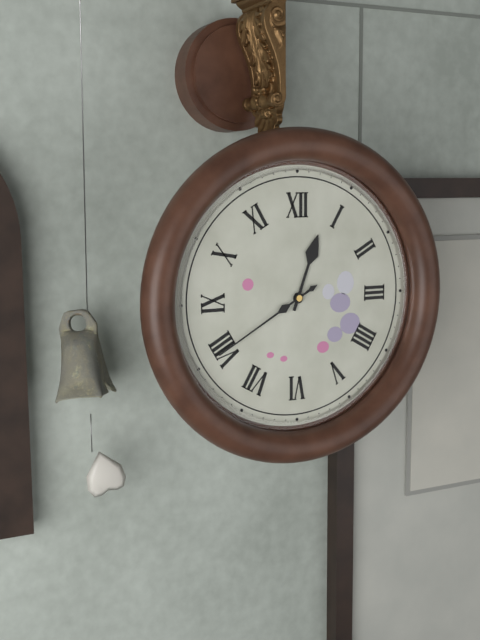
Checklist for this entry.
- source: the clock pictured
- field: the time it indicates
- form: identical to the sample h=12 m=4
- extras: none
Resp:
h=12 m=40
